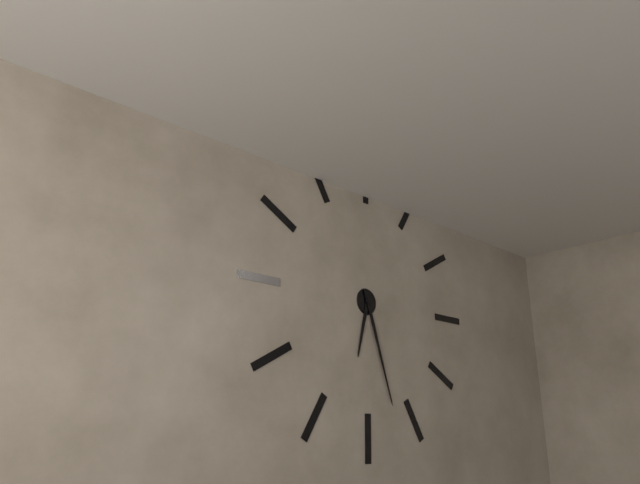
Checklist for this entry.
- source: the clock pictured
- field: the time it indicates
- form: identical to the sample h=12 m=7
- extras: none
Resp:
h=6 m=27
